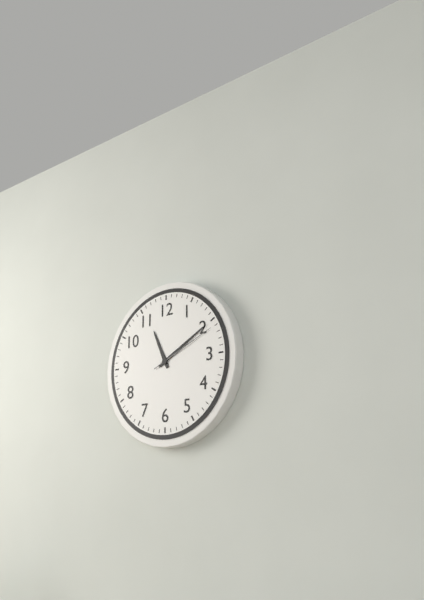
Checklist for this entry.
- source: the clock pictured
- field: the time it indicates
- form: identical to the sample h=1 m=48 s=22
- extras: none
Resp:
h=11 m=10 s=11
